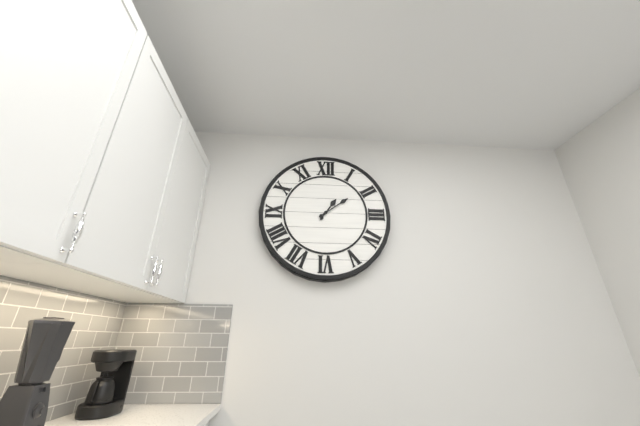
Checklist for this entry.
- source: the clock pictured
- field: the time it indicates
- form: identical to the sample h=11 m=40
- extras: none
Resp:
h=1 m=9
